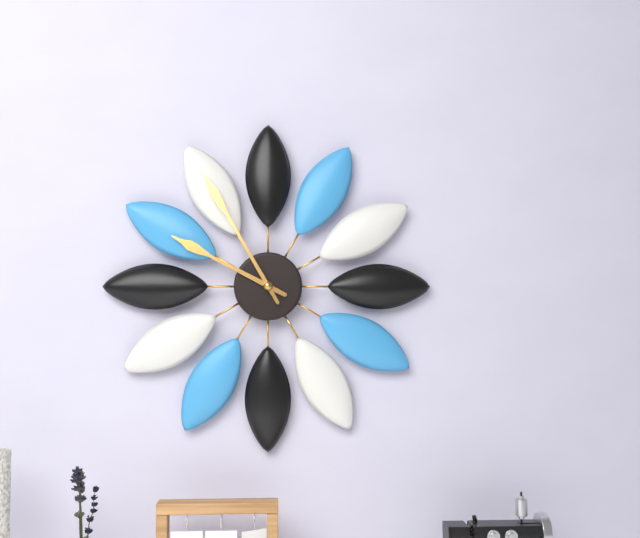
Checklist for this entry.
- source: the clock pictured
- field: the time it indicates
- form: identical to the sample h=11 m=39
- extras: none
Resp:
h=9 m=55
